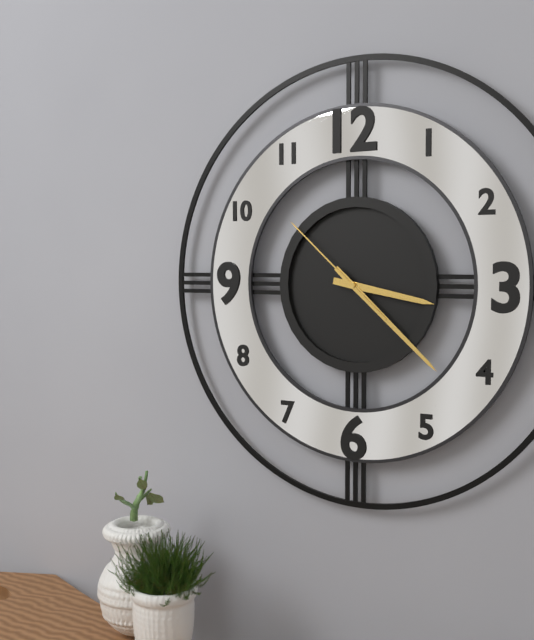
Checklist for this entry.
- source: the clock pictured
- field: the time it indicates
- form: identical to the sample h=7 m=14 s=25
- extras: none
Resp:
h=3 m=22 s=52
